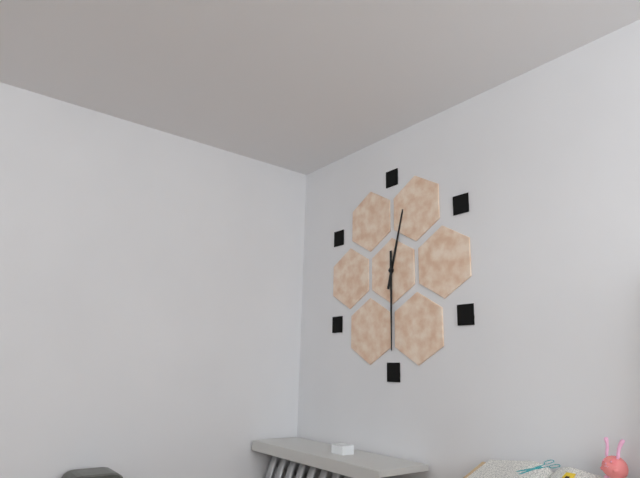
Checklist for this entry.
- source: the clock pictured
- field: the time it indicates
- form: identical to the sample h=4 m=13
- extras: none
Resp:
h=12 m=30
